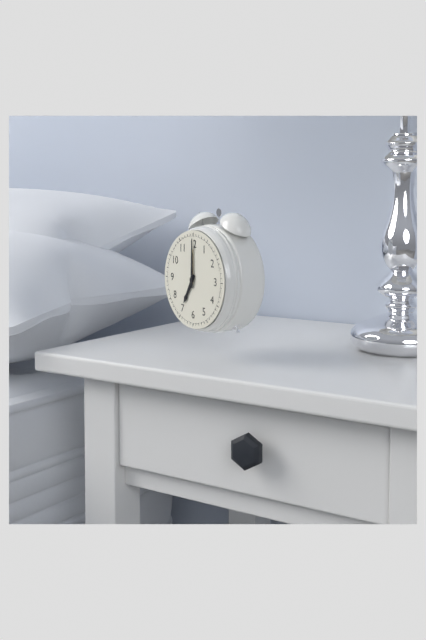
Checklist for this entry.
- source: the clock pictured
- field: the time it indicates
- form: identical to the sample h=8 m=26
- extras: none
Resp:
h=7 m=0
